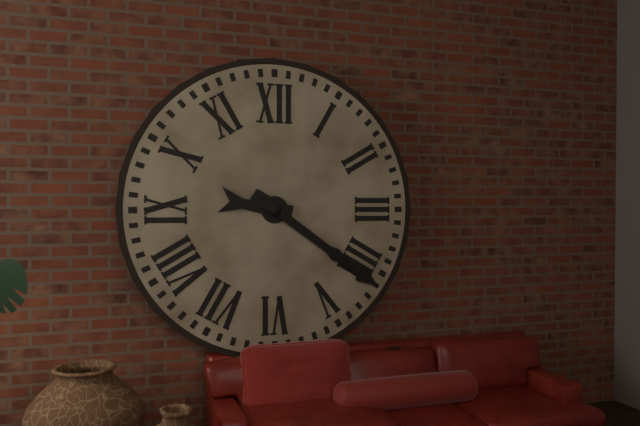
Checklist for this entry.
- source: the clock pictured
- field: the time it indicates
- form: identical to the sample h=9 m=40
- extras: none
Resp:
h=9 m=21
